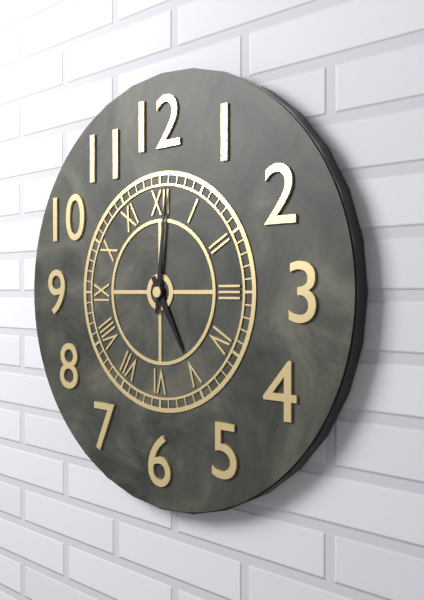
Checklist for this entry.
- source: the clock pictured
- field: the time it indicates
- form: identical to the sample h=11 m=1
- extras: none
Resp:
h=5 m=1
